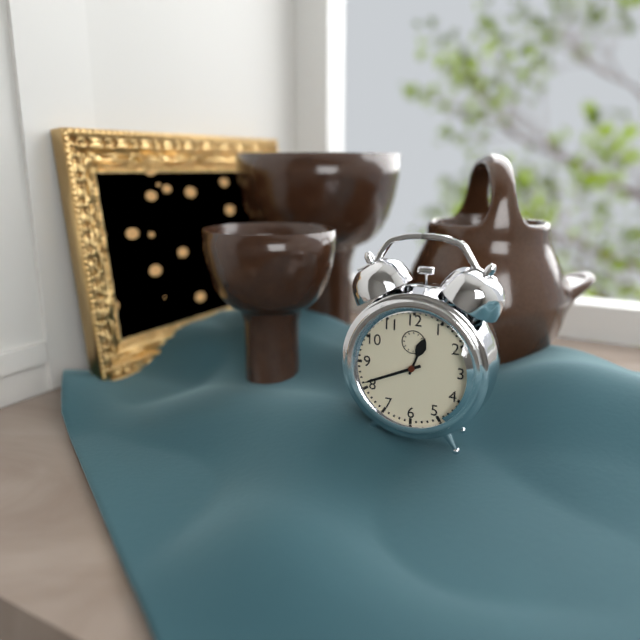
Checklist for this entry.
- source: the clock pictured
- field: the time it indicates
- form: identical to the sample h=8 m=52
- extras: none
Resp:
h=12 m=41
